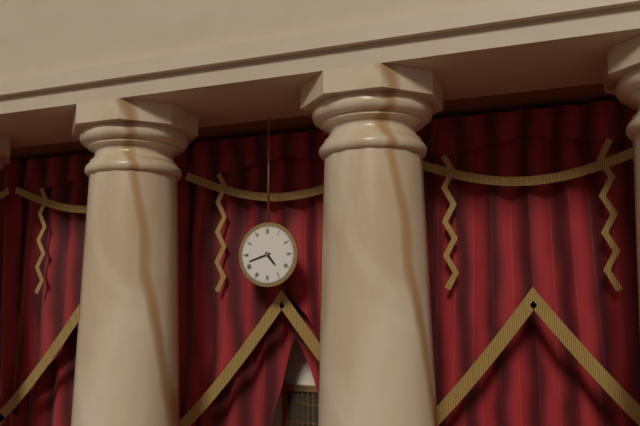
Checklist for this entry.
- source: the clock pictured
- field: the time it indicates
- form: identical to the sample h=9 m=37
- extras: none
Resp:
h=4 m=42
